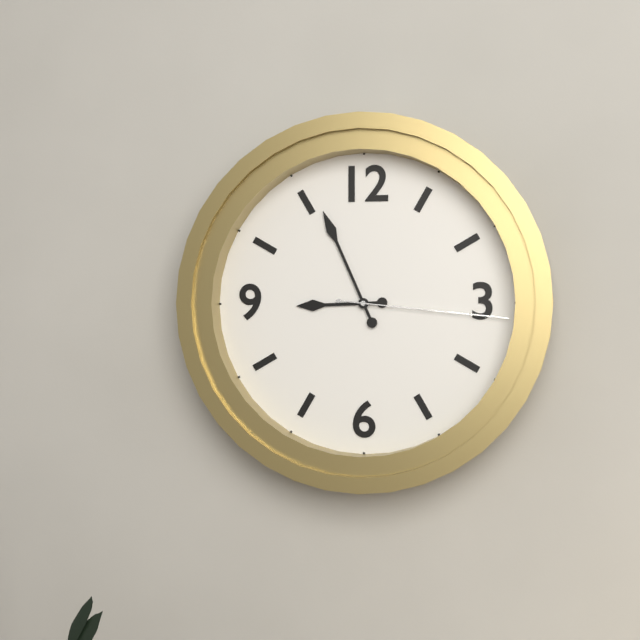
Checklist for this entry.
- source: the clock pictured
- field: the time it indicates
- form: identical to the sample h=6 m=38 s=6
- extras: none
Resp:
h=8 m=56 s=16
